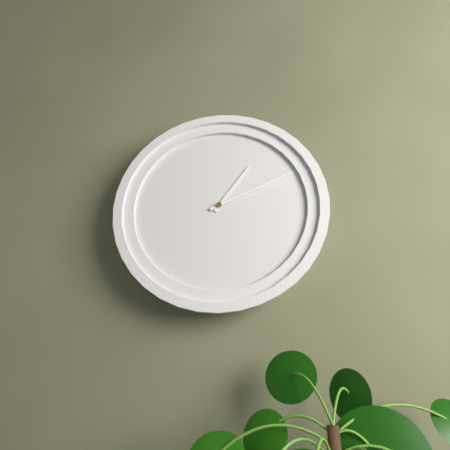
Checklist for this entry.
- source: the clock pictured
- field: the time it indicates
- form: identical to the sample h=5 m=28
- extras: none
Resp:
h=1 m=11
